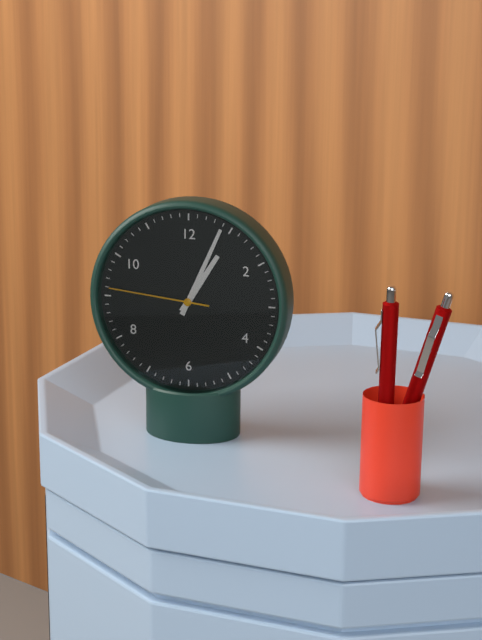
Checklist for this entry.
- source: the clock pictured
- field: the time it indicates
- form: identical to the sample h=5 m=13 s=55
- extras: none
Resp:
h=1 m=4 s=46
